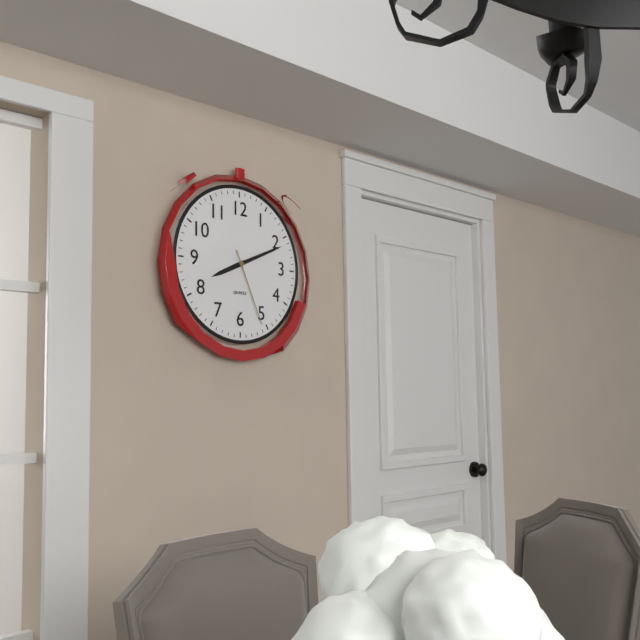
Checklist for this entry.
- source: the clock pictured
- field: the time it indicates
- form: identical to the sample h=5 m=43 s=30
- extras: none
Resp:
h=8 m=11 s=26
